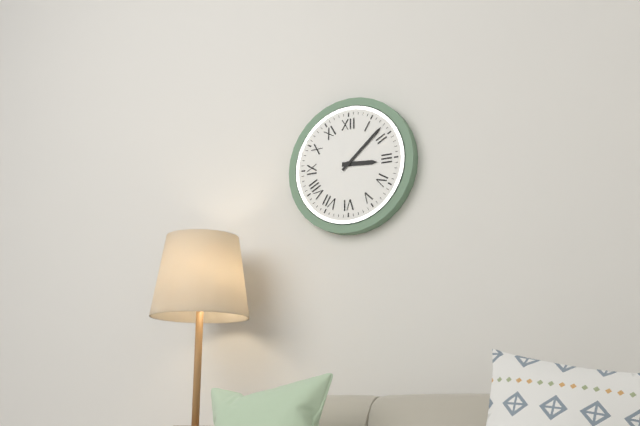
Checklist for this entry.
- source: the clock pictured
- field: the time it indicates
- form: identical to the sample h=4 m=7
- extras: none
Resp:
h=3 m=8
